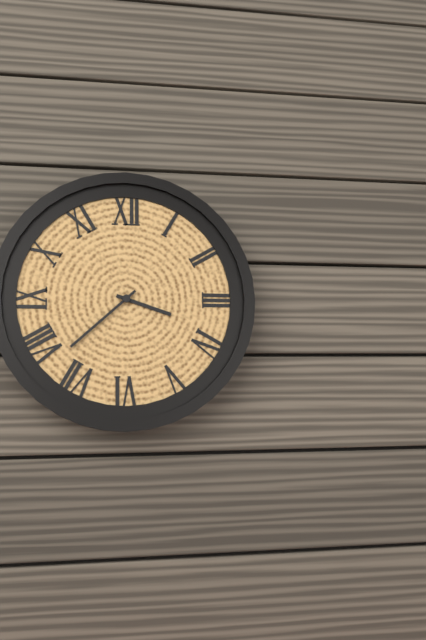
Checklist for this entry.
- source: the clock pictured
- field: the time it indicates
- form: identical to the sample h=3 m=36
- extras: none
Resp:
h=3 m=38
